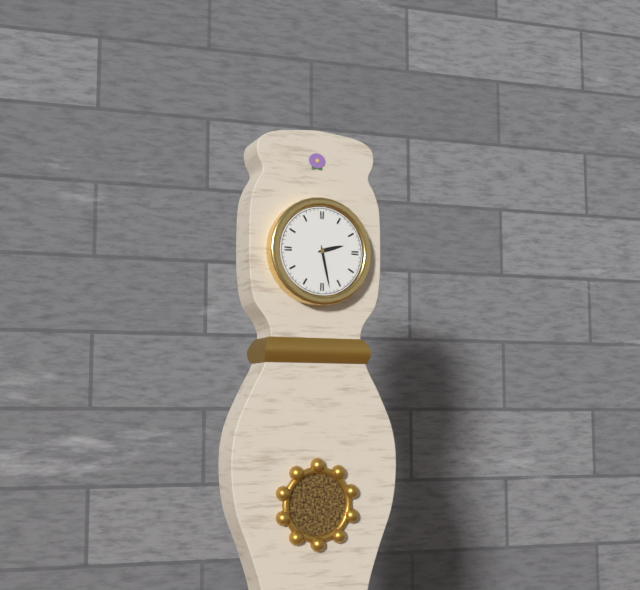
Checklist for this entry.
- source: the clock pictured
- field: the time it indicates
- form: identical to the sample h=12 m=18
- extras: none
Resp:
h=2 m=28
